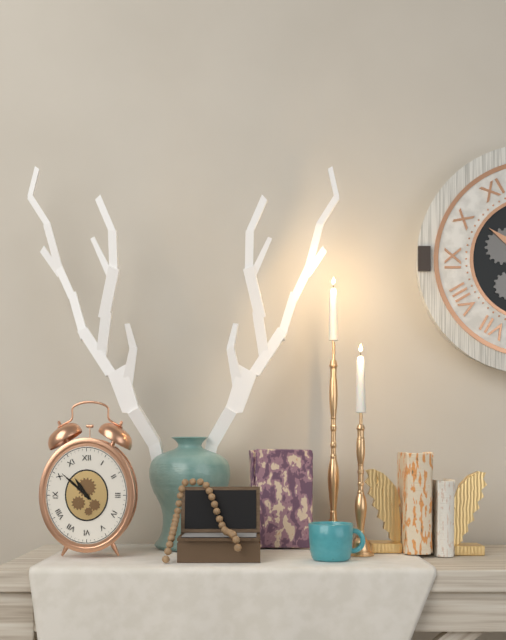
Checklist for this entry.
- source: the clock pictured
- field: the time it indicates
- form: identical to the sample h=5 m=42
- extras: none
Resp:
h=10 m=52
